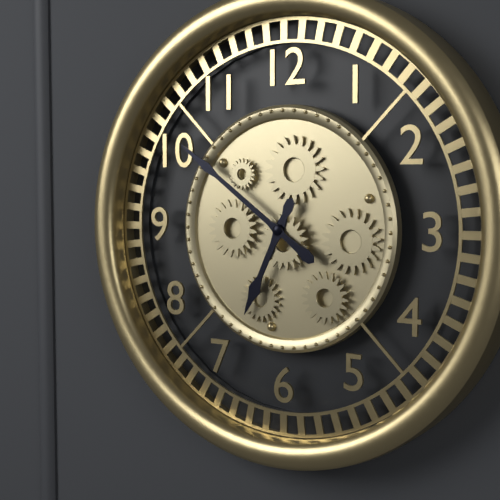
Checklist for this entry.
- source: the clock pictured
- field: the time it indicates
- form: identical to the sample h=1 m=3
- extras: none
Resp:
h=6 m=51
